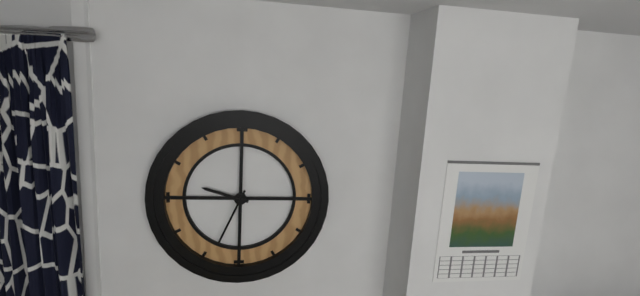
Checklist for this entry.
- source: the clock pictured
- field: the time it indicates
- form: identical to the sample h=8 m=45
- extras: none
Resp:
h=9 m=34
